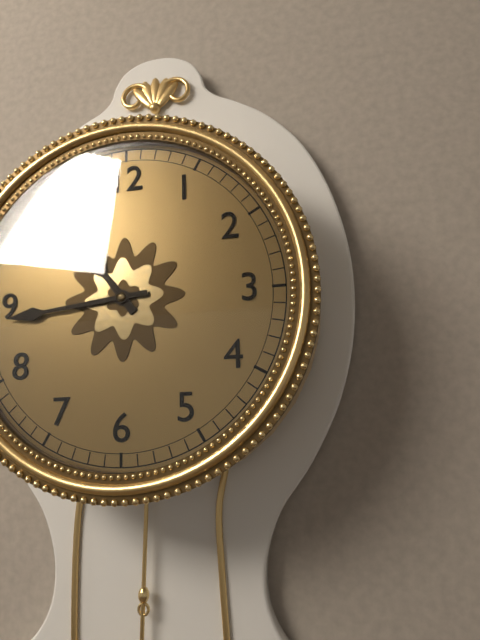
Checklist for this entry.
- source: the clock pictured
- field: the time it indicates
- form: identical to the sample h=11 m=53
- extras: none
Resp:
h=10 m=44
